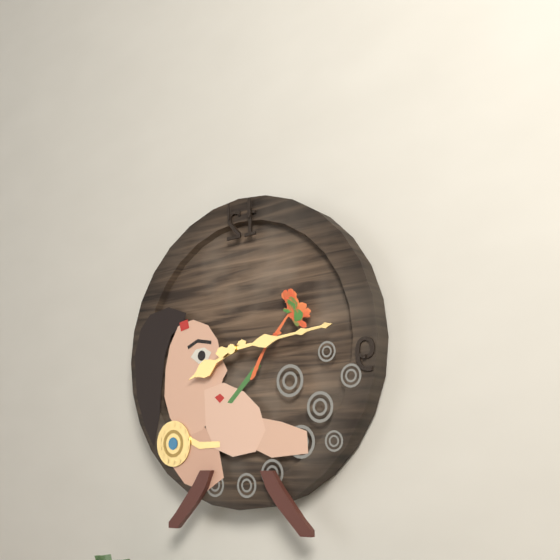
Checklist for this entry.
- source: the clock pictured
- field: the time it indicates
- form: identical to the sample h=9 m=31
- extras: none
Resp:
h=8 m=14
